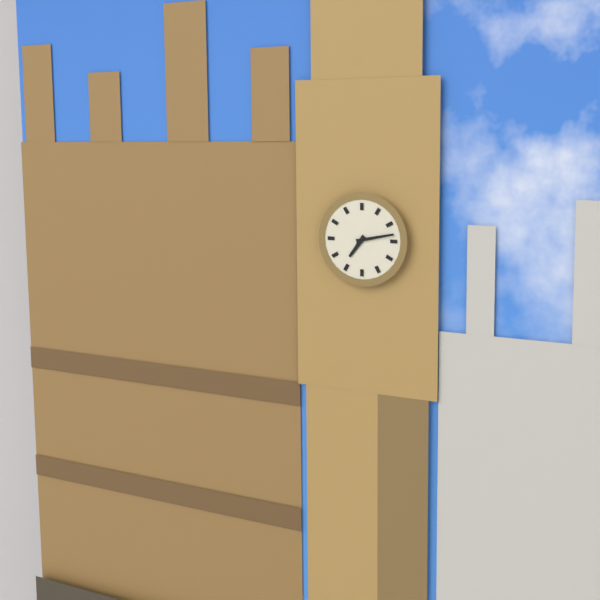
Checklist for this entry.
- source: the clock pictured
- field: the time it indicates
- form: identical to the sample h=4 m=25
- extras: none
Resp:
h=7 m=13
